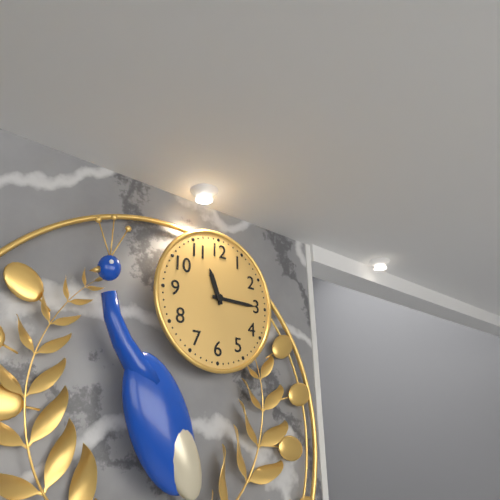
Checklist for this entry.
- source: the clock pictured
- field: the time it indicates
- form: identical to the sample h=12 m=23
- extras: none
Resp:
h=11 m=15
